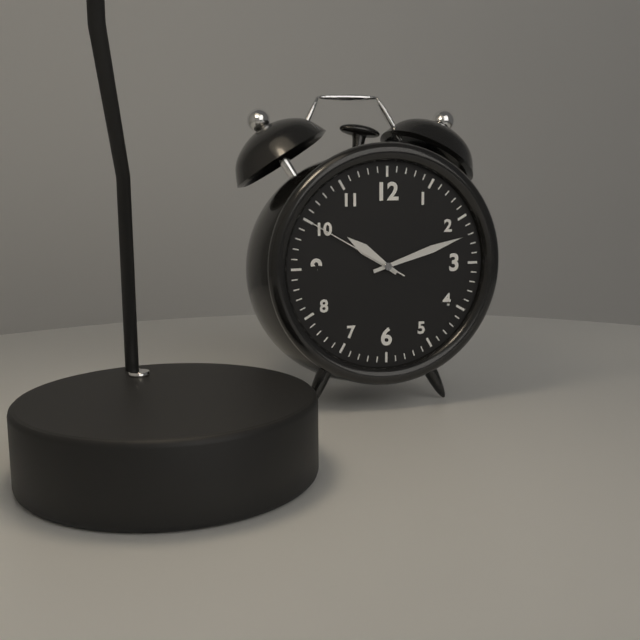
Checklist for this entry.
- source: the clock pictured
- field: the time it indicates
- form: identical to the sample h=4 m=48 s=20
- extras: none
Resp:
h=10 m=12 s=50
